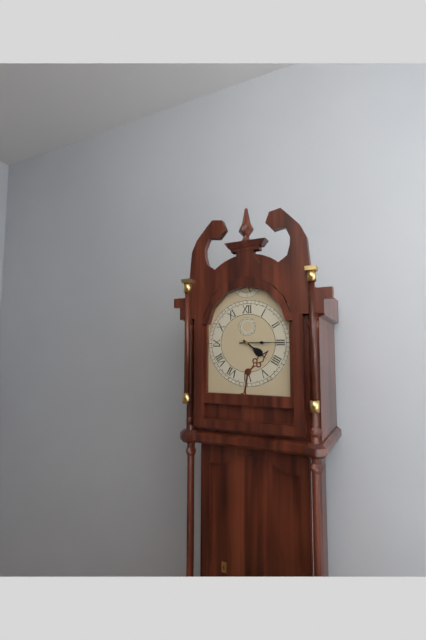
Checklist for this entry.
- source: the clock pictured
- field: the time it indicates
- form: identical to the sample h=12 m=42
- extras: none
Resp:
h=4 m=15
